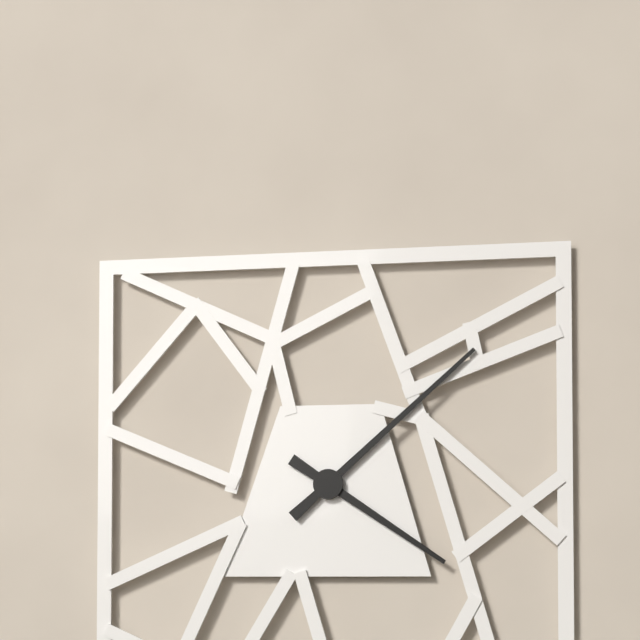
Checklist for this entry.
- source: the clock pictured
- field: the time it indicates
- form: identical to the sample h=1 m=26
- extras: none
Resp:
h=4 m=8
